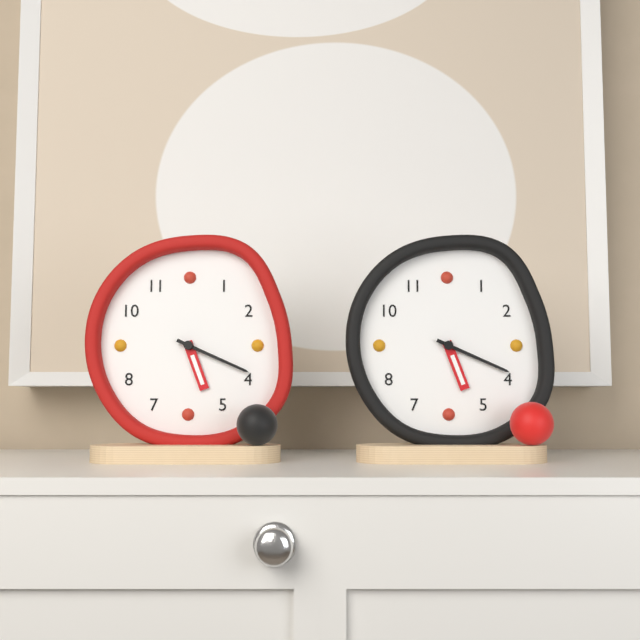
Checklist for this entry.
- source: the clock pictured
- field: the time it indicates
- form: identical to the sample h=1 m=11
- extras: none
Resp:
h=5 m=19
